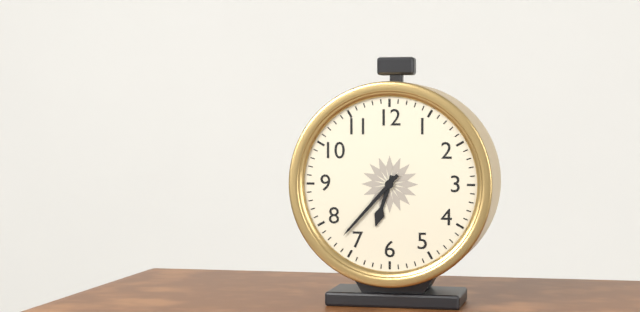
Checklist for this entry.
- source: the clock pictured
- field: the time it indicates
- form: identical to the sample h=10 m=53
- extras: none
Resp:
h=6 m=37
